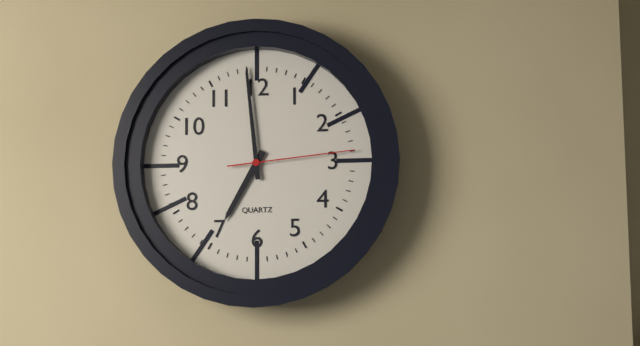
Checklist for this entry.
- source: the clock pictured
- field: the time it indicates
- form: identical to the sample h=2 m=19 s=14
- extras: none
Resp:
h=6 m=59 s=14
